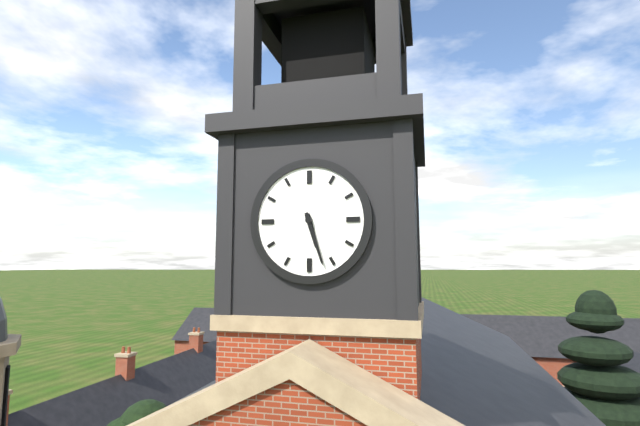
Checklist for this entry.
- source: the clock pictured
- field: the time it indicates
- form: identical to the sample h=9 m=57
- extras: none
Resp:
h=5 m=27
